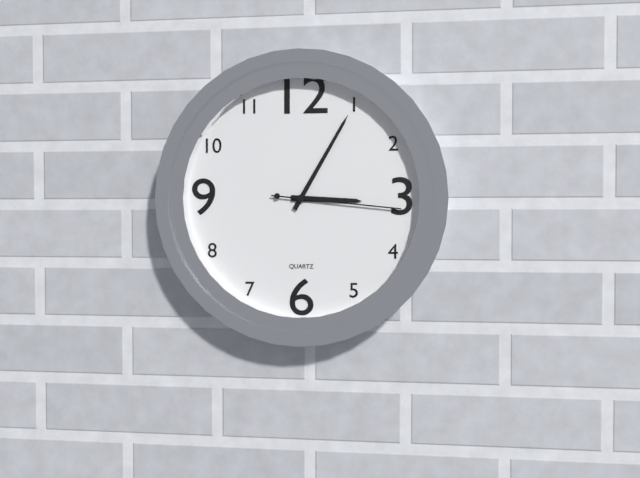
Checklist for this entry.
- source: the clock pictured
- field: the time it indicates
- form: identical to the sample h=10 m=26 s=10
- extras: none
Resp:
h=3 m=5 s=16
